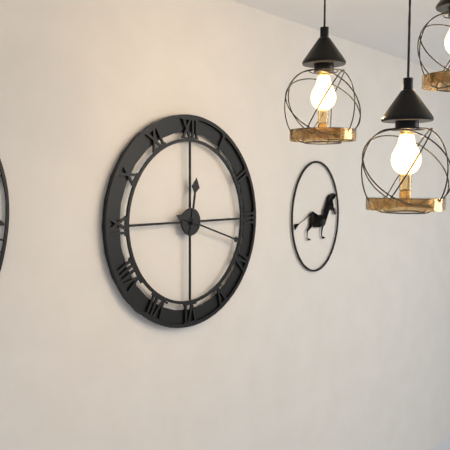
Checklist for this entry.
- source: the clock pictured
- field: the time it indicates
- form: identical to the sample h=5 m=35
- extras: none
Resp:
h=12 m=18
